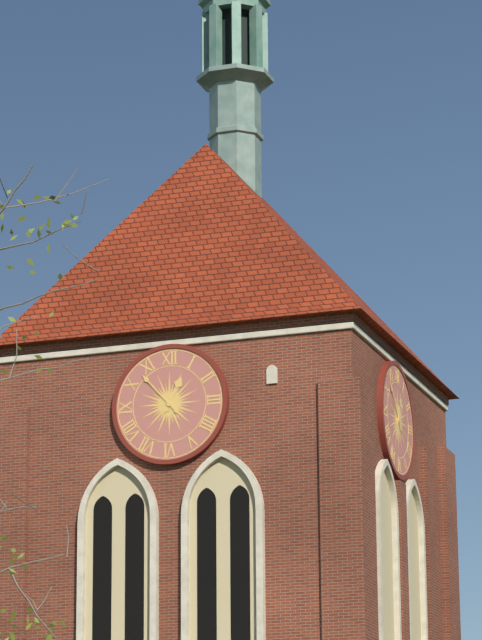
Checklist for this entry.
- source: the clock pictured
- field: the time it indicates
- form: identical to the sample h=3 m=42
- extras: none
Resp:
h=12 m=53
